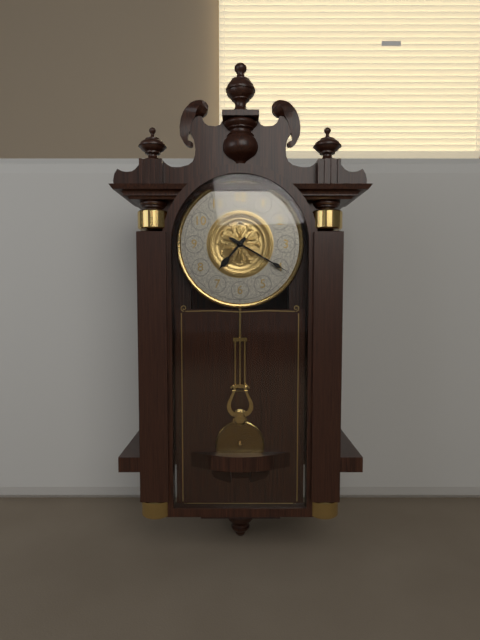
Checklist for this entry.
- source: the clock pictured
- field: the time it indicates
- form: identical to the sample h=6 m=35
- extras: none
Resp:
h=7 m=20
